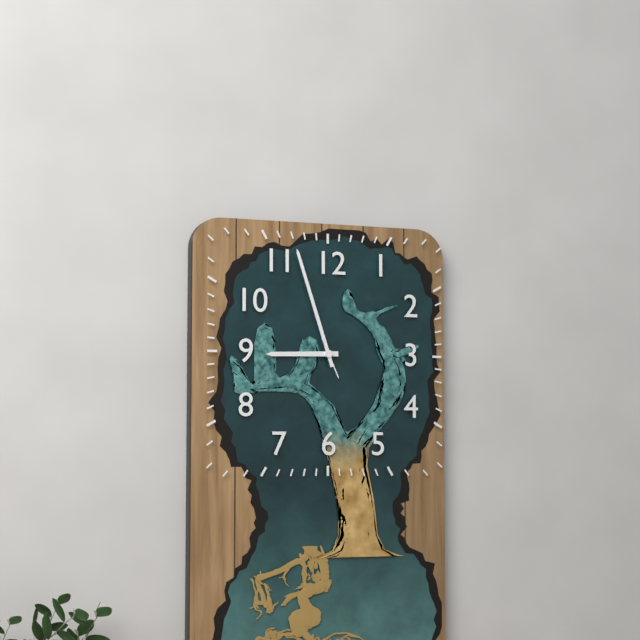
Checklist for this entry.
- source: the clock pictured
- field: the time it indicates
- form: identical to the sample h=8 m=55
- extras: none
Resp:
h=8 m=57
